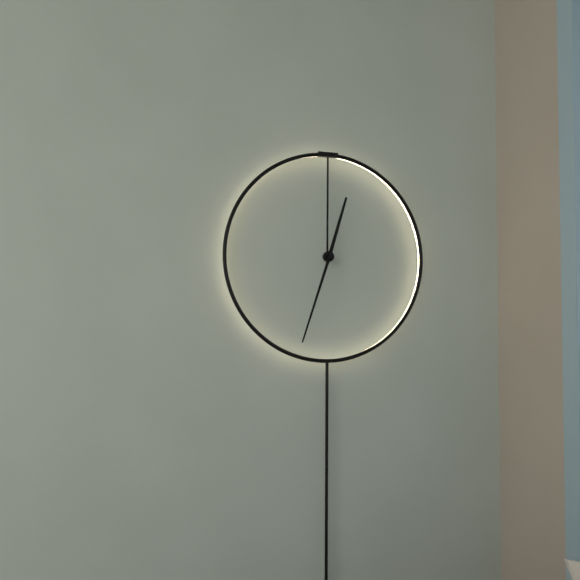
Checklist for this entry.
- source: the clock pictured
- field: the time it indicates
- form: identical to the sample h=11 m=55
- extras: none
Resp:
h=12 m=33
